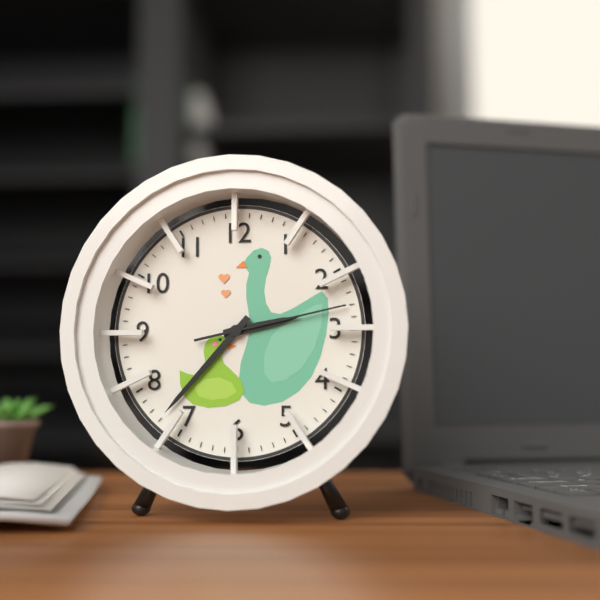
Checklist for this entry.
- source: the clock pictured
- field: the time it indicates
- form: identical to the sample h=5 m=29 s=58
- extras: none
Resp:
h=2 m=37 s=13
